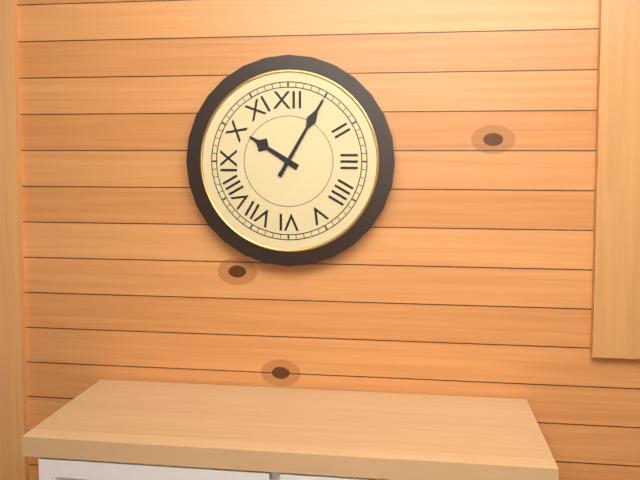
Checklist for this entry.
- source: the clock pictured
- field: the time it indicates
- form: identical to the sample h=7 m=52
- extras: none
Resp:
h=10 m=5
